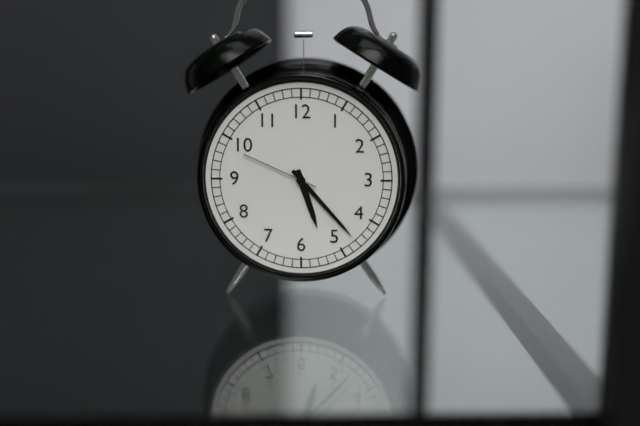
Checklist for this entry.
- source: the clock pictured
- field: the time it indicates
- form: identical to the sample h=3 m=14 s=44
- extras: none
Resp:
h=5 m=23 s=49
